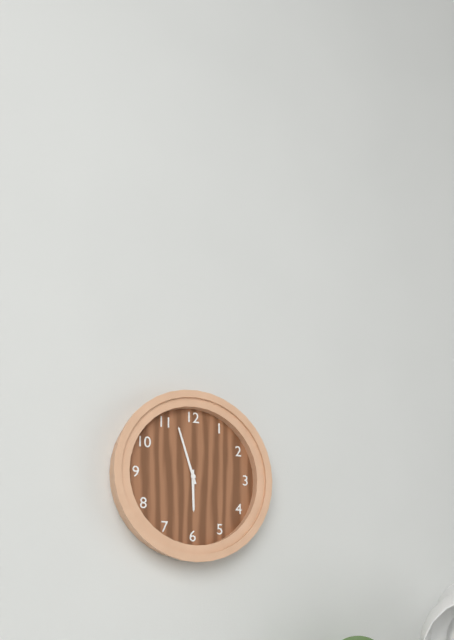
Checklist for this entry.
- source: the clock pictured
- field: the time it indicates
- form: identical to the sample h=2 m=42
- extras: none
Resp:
h=5 m=57
